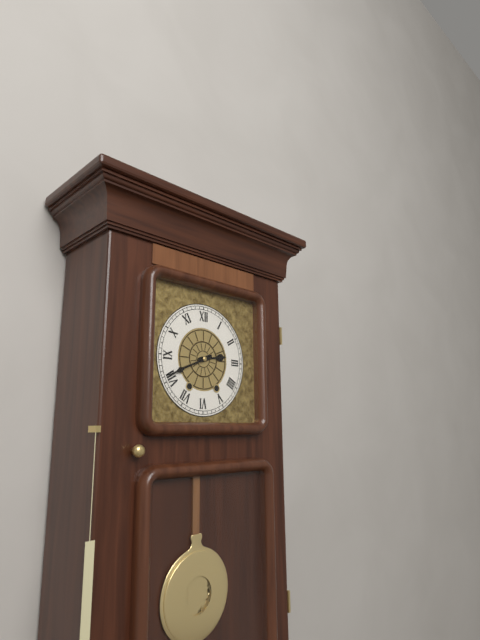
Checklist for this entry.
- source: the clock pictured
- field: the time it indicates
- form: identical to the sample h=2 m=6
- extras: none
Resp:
h=2 m=41
